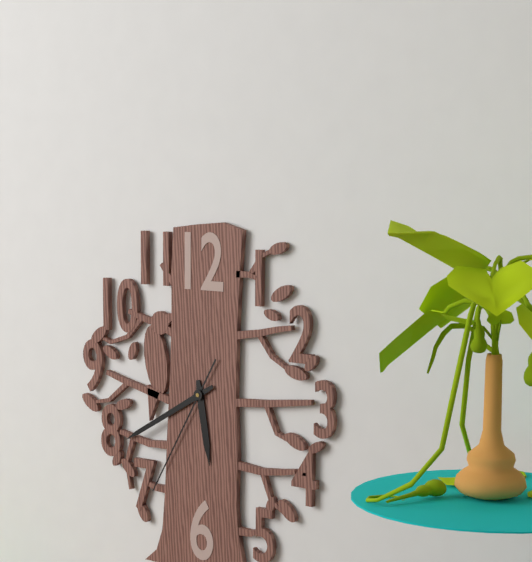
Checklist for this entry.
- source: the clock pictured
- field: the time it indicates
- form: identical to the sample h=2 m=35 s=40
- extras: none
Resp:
h=5 m=40 s=35
